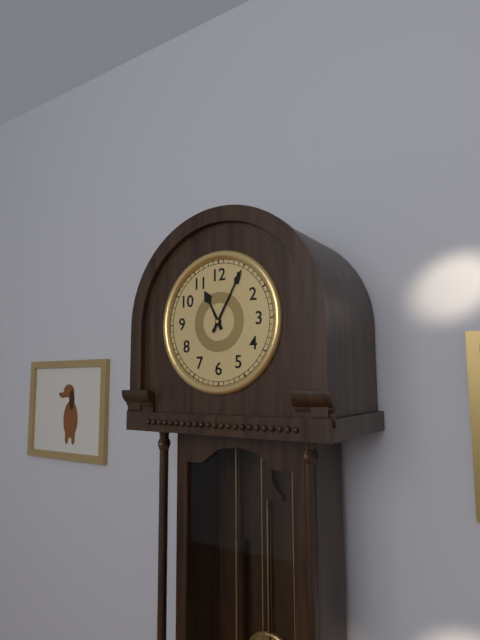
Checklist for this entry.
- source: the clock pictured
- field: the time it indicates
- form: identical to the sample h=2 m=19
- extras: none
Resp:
h=11 m=5
